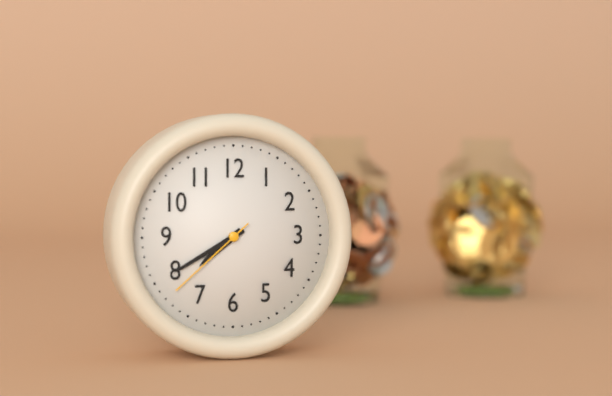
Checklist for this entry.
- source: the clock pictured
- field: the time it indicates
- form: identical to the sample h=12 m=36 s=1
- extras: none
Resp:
h=7 m=40 s=38
